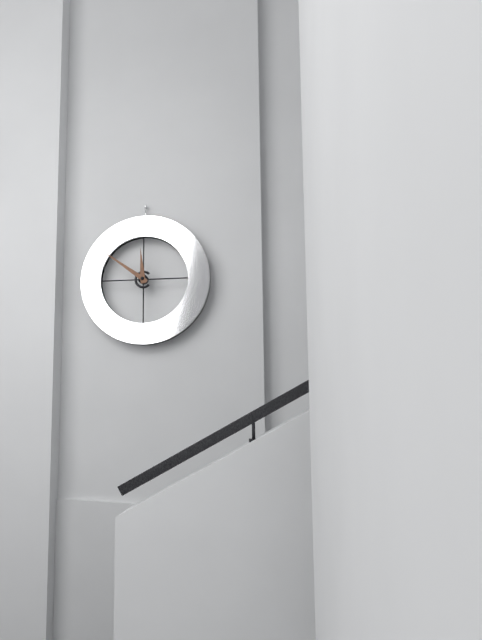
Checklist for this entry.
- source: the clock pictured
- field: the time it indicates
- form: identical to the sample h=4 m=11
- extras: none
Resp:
h=11 m=51
